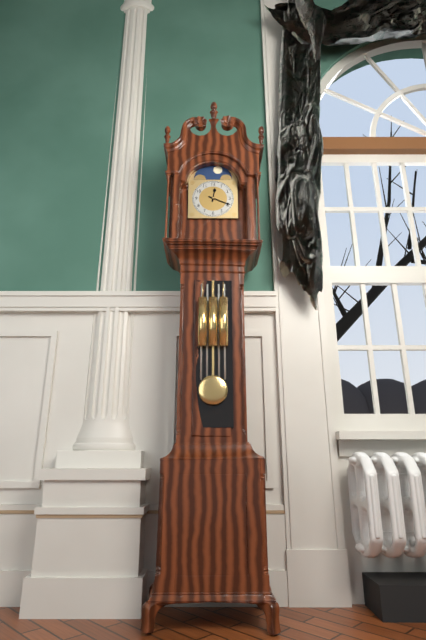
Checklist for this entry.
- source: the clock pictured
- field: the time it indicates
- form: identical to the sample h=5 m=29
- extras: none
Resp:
h=12 m=19
